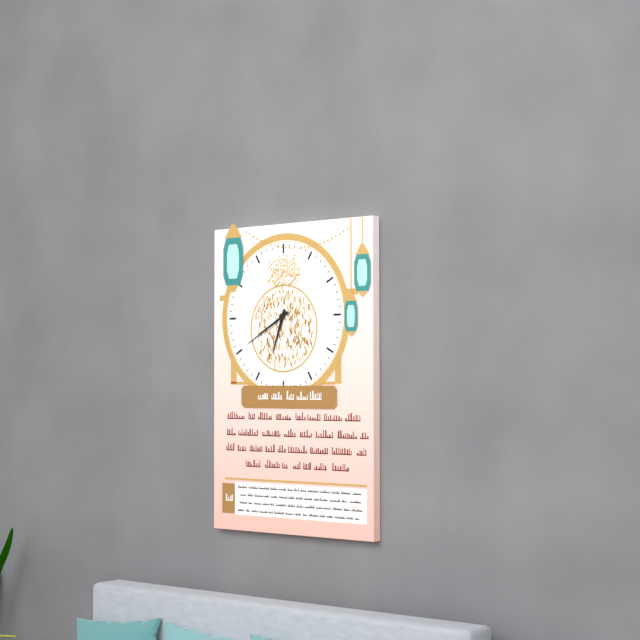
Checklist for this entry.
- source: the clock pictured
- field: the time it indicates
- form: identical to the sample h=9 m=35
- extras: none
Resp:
h=6 m=40
